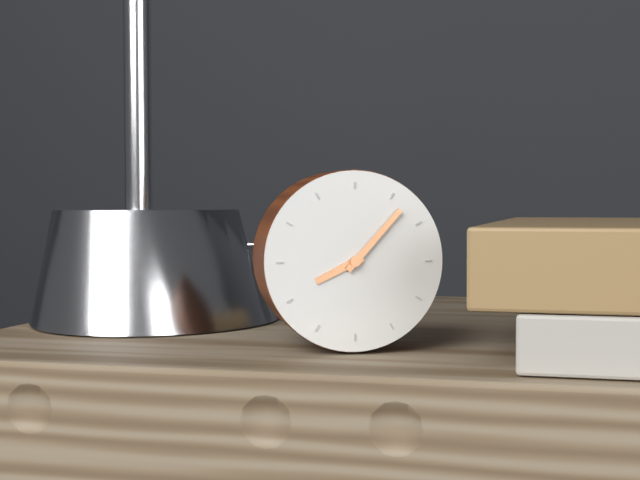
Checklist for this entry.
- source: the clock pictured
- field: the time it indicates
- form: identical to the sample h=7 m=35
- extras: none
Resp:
h=8 m=7
